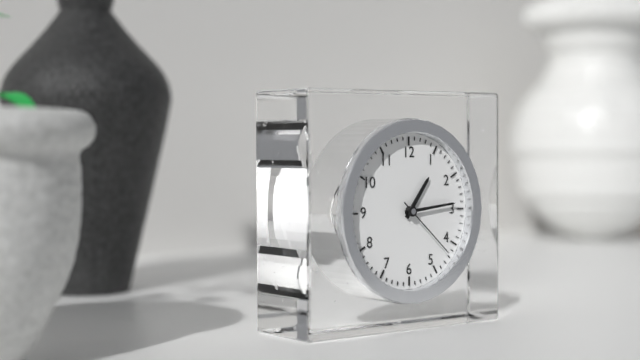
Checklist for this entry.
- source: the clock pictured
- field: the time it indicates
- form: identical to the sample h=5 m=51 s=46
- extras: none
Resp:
h=1 m=14 s=22
